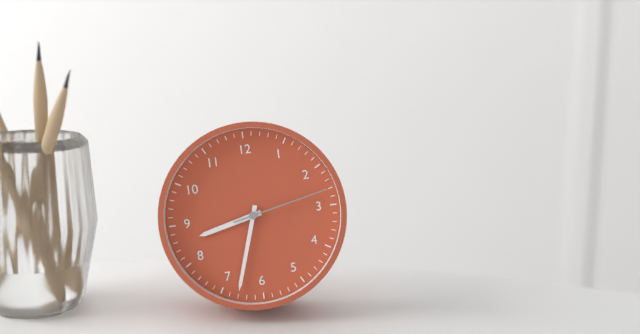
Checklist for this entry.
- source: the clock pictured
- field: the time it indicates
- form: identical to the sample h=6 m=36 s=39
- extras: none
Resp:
h=8 m=33 s=13
